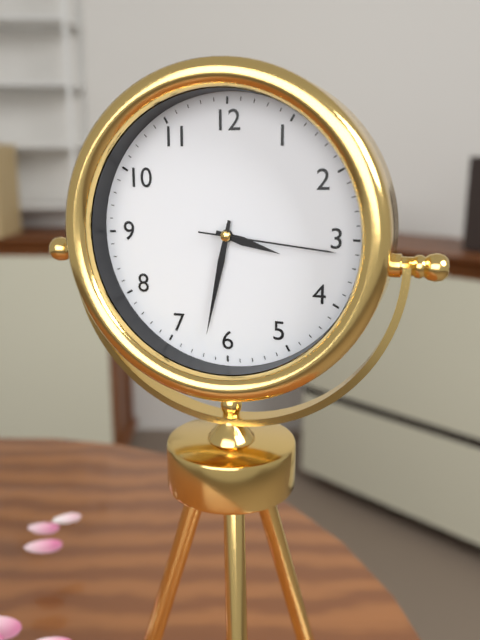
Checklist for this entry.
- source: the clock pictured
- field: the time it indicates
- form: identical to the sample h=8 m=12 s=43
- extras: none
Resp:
h=3 m=32 s=16
